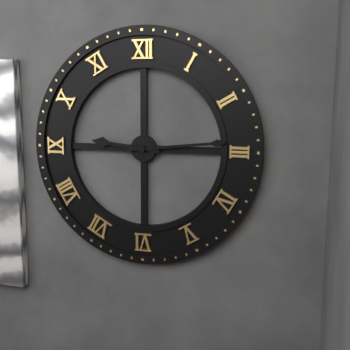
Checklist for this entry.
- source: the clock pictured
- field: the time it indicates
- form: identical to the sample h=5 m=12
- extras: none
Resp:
h=9 m=14
